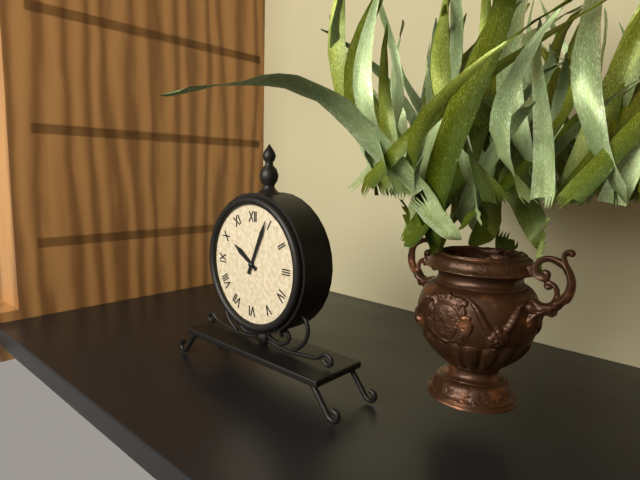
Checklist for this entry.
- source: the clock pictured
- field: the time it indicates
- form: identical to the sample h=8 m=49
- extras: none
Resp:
h=10 m=4
